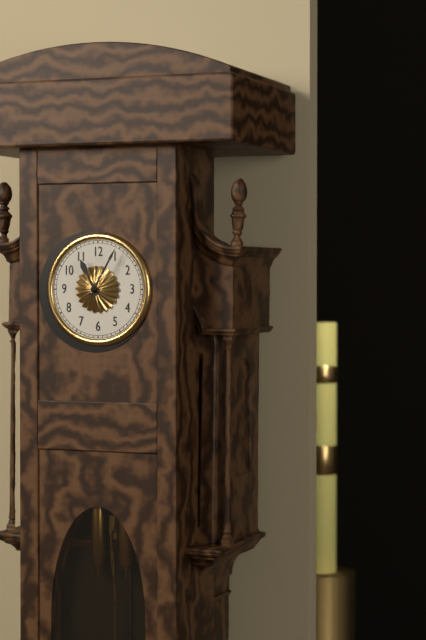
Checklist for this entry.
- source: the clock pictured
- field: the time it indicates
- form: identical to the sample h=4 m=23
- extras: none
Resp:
h=11 m=5
